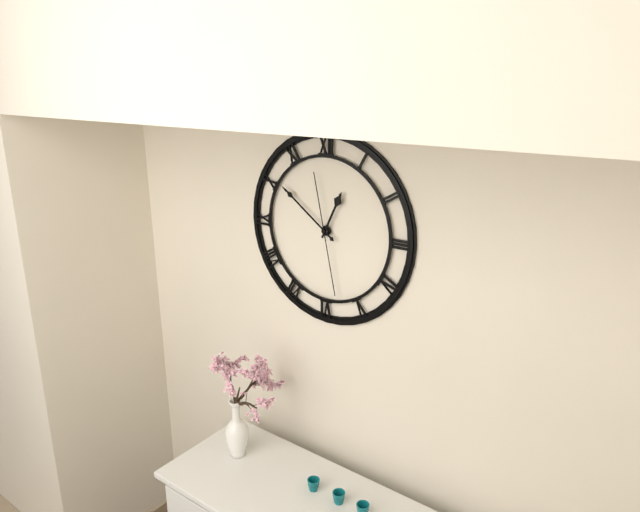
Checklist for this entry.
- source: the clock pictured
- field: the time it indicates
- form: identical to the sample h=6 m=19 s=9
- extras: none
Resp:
h=12 m=51 s=28
